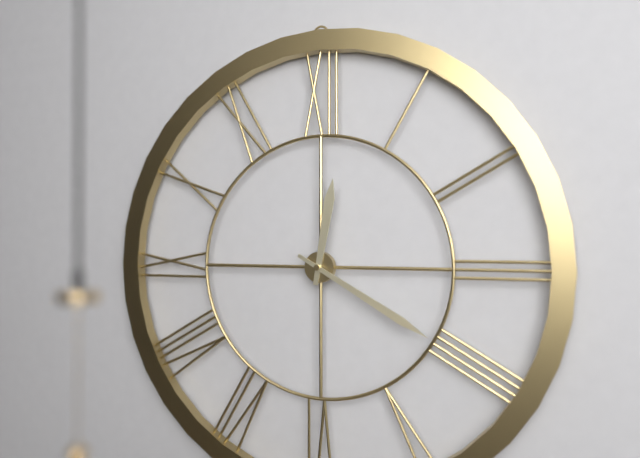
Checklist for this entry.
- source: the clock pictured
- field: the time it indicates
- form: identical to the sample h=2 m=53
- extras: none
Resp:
h=12 m=20
